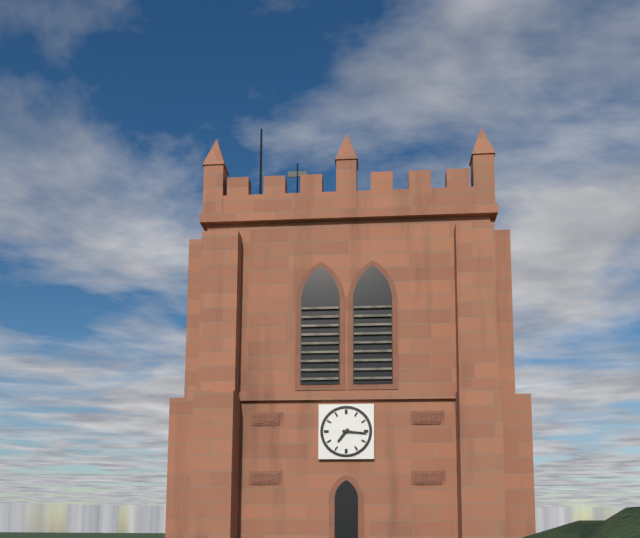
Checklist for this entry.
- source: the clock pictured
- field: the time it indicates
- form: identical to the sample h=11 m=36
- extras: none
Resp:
h=7 m=16
